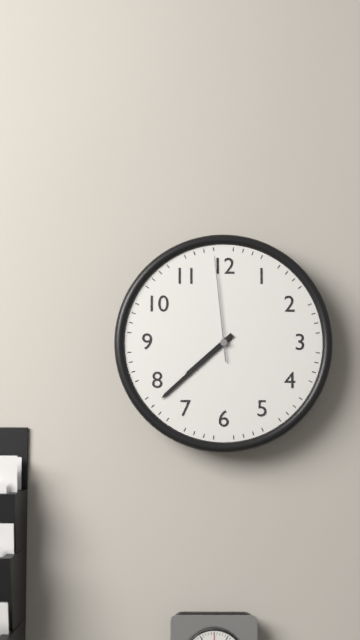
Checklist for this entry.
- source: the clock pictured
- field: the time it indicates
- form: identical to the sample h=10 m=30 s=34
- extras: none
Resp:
h=7 m=38 s=59
